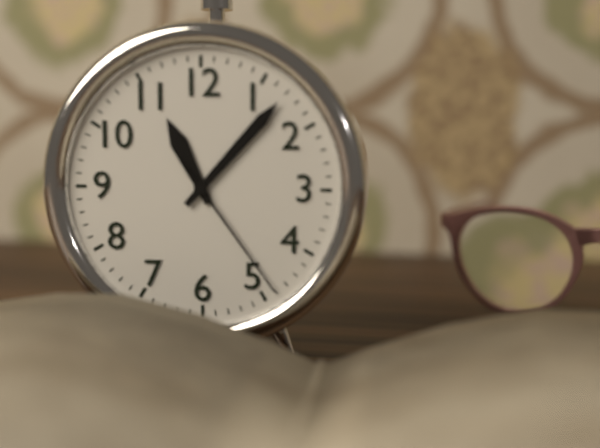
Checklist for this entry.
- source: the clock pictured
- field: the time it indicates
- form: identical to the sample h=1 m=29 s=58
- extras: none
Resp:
h=11 m=7 s=24
